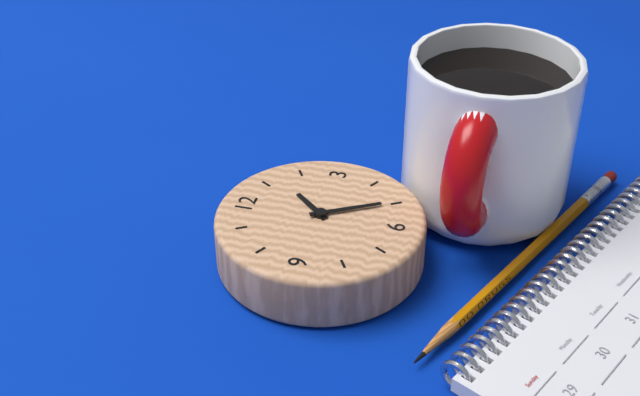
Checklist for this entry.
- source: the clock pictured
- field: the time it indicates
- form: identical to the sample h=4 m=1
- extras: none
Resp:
h=1 m=25
